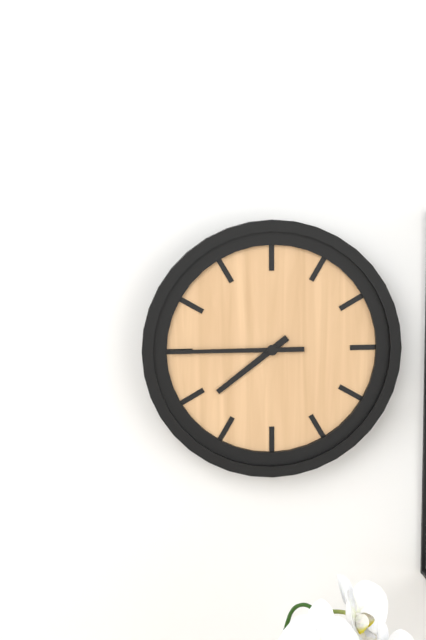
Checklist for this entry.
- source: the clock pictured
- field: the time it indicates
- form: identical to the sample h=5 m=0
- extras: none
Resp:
h=7 m=45
